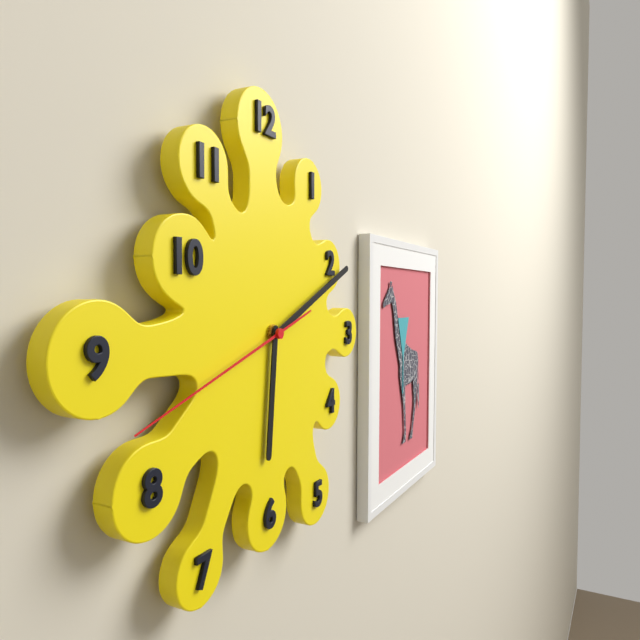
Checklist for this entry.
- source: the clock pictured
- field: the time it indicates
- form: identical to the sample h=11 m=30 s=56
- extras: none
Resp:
h=6 m=11 s=42
